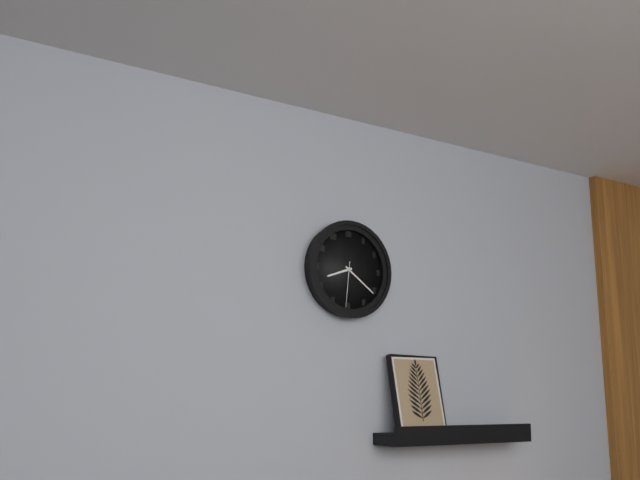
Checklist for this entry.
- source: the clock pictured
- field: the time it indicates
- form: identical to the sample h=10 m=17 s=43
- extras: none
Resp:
h=8 m=21 s=31
